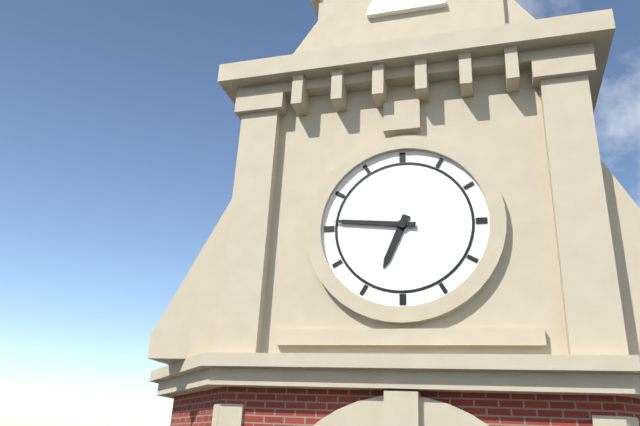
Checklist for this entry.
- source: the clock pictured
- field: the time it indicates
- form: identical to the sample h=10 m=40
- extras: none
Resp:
h=6 m=46
